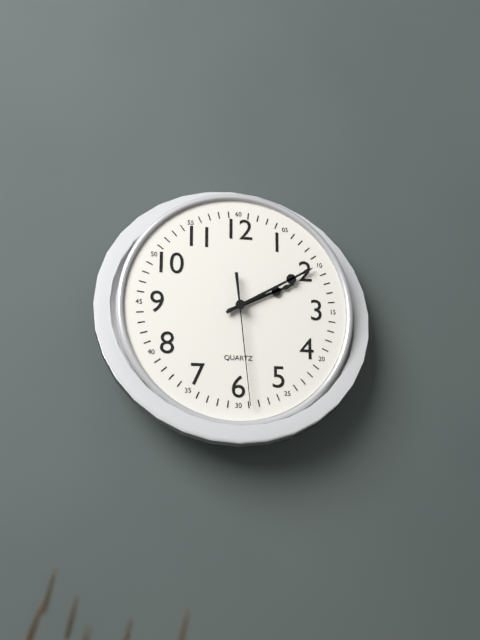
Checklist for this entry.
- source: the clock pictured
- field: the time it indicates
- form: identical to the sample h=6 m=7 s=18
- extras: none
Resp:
h=2 m=10 s=29
